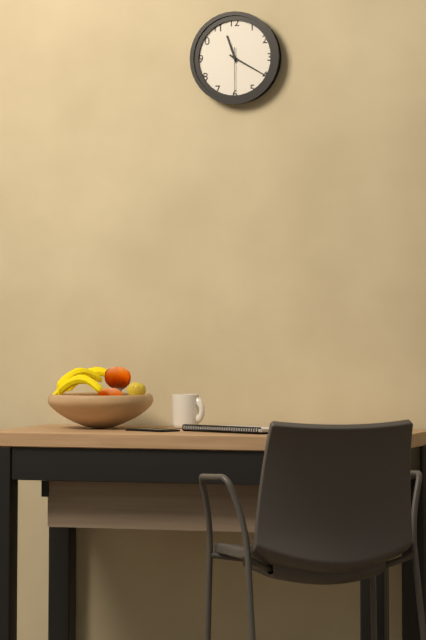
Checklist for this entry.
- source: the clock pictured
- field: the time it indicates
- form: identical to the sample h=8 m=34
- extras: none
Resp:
h=11 m=20
